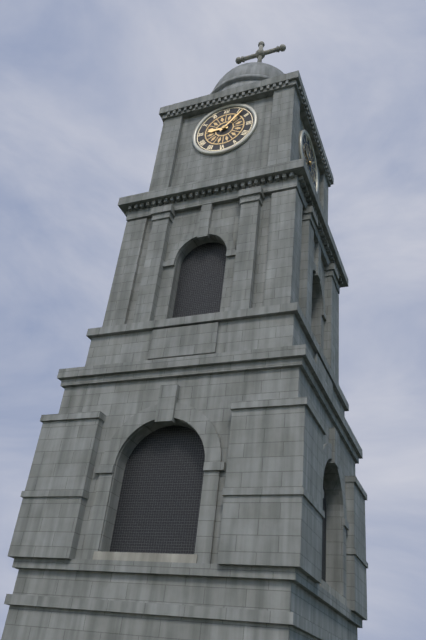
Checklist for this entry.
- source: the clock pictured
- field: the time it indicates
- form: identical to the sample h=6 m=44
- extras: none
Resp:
h=9 m=7
